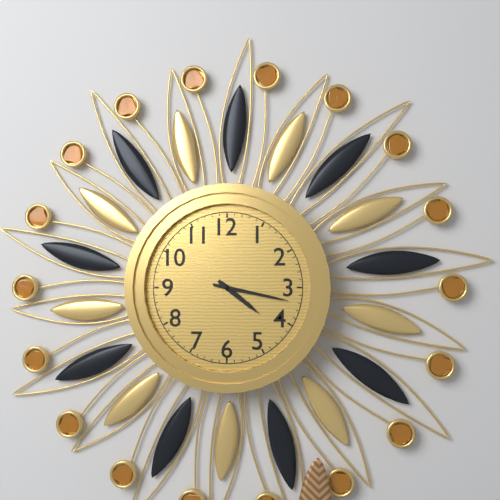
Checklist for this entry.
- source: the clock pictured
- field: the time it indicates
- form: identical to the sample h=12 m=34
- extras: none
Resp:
h=4 m=17
